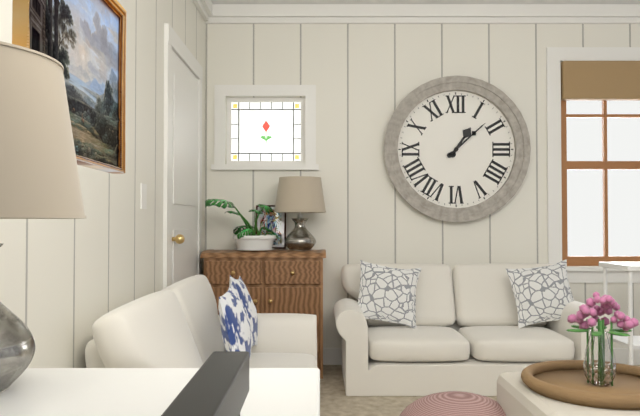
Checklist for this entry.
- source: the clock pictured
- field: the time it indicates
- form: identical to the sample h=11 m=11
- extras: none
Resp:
h=1 m=8
